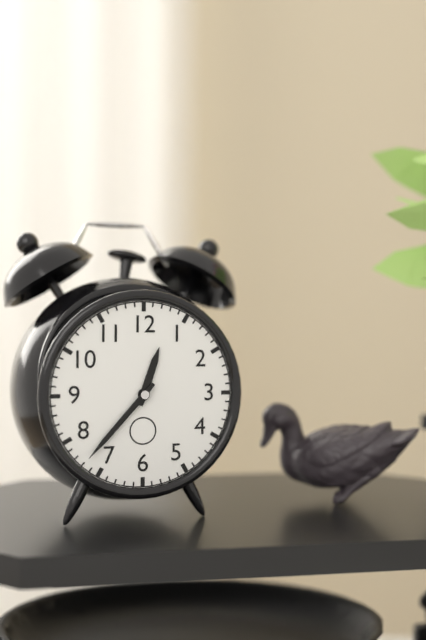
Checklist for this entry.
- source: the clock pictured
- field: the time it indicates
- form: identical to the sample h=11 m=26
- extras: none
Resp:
h=12 m=37
